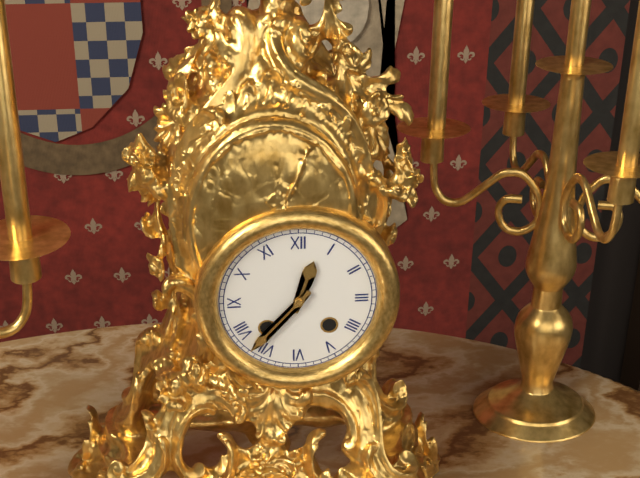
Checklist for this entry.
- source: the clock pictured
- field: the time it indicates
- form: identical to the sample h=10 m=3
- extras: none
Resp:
h=12 m=37
